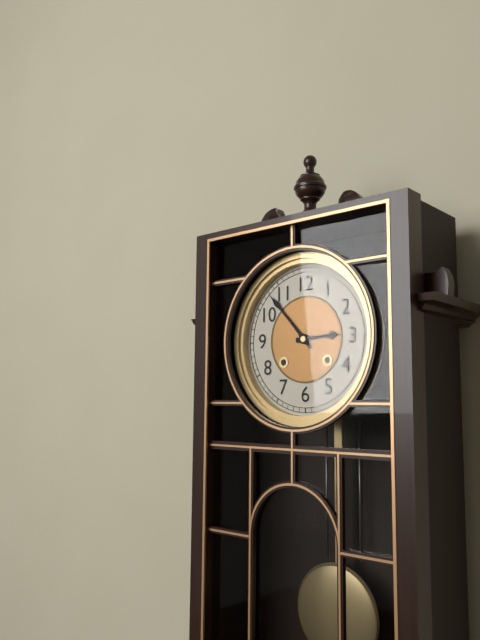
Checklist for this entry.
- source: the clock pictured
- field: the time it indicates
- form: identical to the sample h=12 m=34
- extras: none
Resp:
h=2 m=53
